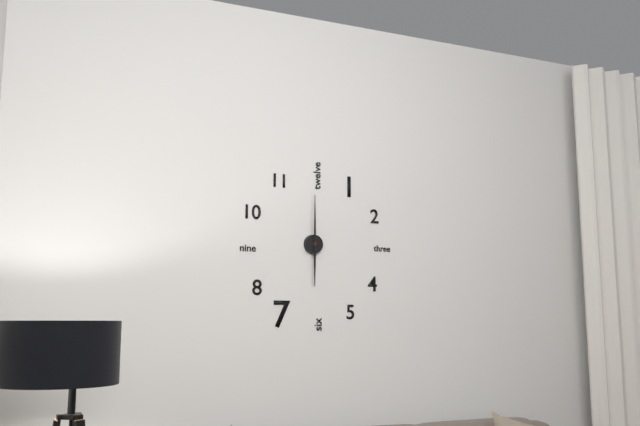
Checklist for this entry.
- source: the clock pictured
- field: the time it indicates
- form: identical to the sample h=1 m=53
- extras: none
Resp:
h=6 m=0
